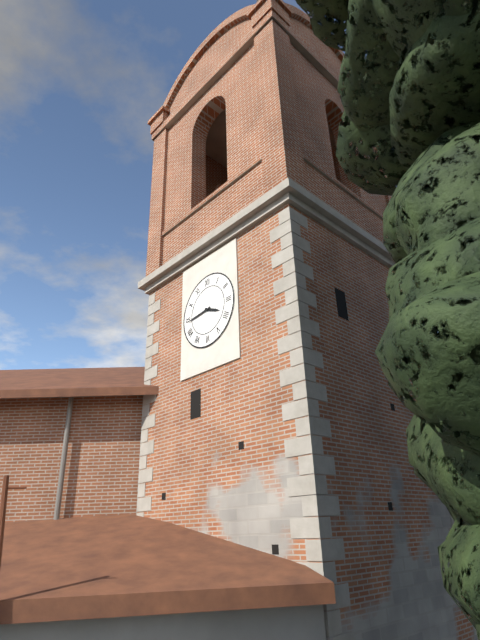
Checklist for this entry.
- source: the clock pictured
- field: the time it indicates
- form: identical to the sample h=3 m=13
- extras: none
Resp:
h=3 m=44
